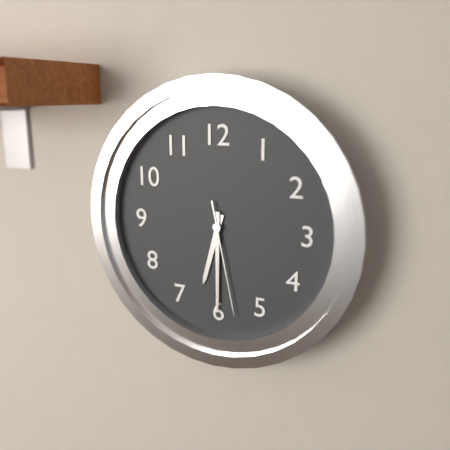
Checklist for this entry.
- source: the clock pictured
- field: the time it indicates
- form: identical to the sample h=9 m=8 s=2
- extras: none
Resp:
h=6 m=30 s=28
